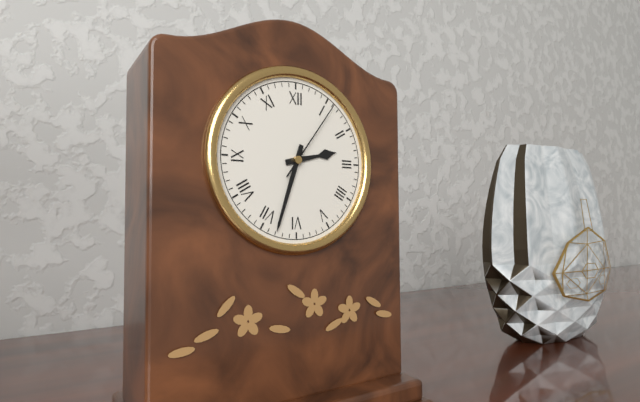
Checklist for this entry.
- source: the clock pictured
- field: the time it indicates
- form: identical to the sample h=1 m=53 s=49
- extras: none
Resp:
h=2 m=33 s=6
